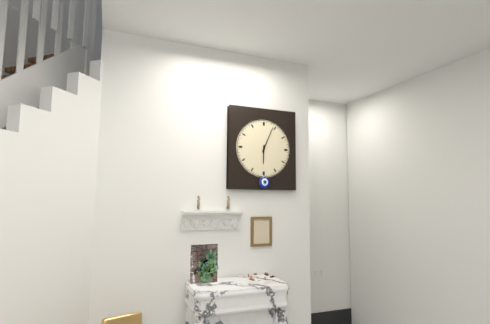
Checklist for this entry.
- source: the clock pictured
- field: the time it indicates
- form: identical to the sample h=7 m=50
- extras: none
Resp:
h=6 m=4
